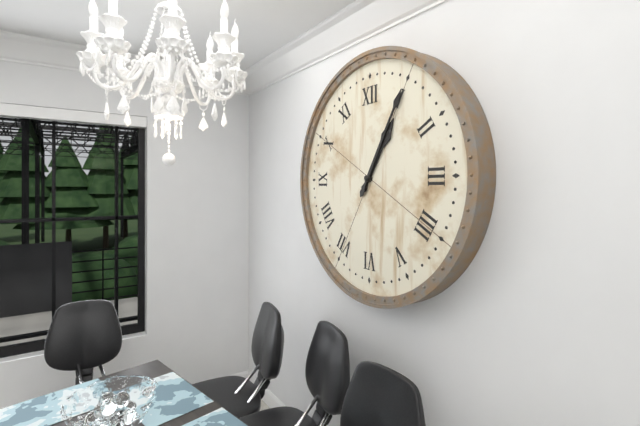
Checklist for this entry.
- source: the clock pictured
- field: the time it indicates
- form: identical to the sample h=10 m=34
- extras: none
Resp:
h=1 m=5
